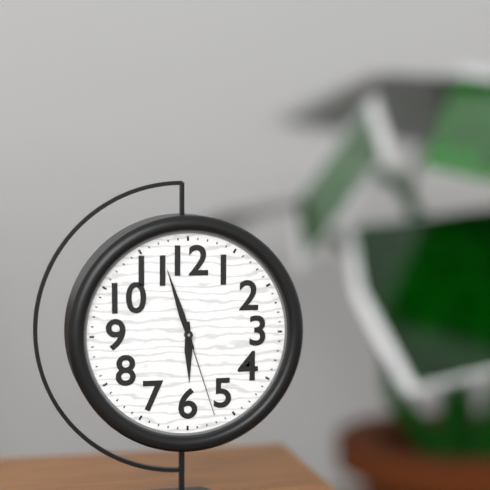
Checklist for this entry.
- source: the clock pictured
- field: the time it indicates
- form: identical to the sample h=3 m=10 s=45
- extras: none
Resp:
h=5 m=57 s=27
